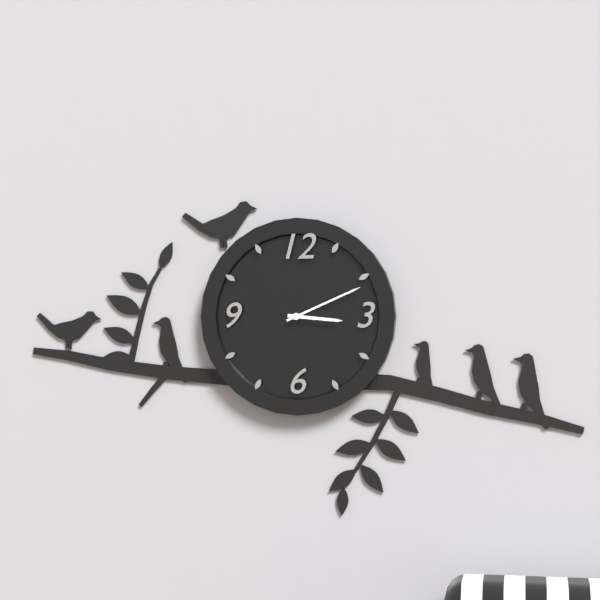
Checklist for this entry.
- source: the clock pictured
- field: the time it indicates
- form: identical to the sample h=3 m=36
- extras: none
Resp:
h=3 m=11
